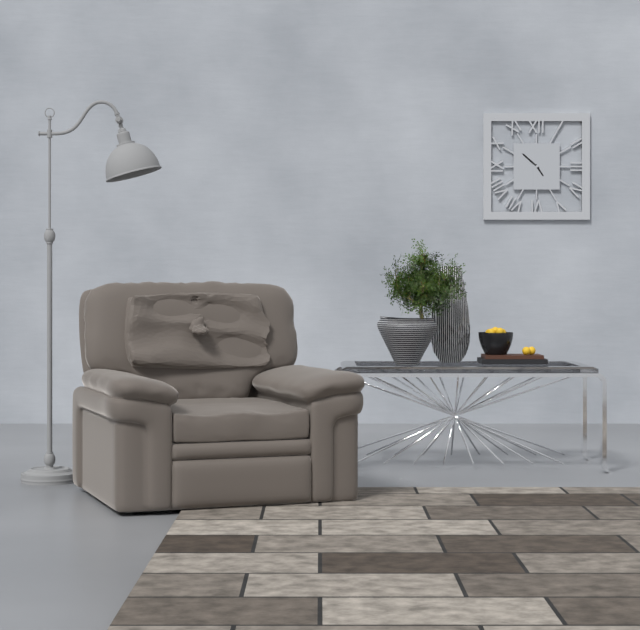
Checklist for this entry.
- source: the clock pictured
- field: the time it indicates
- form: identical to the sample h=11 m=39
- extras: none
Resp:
h=4 m=52
